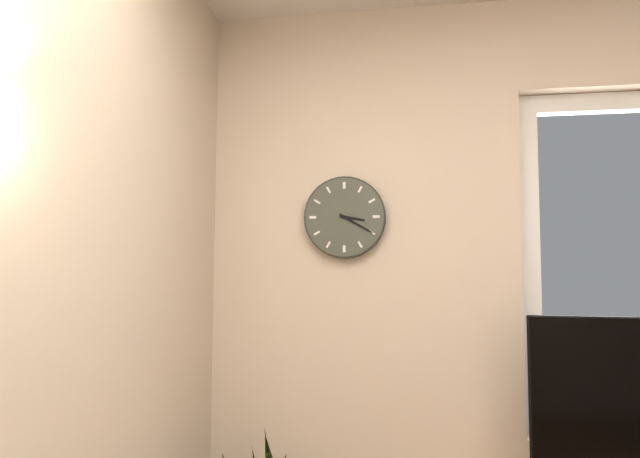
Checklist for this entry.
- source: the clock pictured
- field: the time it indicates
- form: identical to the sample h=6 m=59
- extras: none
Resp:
h=3 m=20
